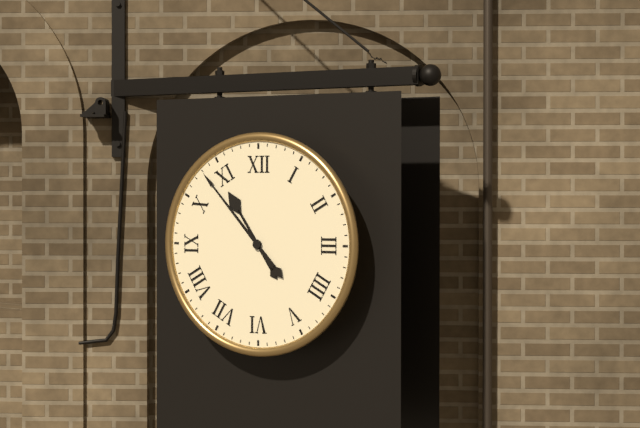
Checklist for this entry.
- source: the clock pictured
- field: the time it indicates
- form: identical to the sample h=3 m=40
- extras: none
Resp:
h=10 m=53
